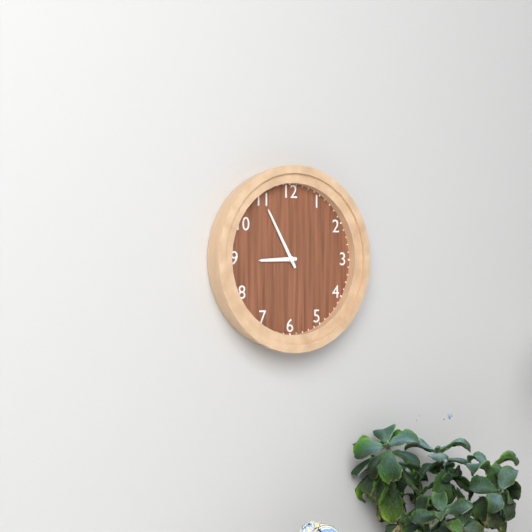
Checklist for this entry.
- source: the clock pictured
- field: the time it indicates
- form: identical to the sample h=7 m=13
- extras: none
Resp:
h=8 m=55
